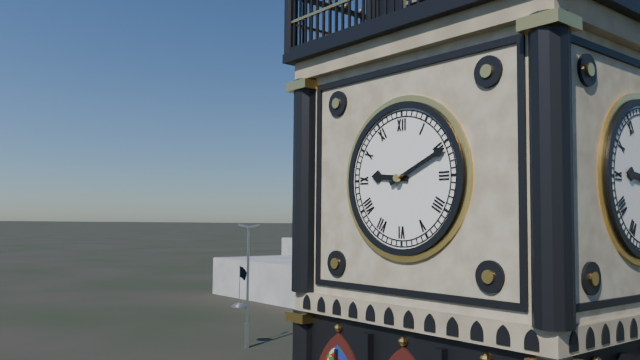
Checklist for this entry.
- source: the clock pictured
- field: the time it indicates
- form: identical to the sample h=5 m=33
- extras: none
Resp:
h=9 m=11
